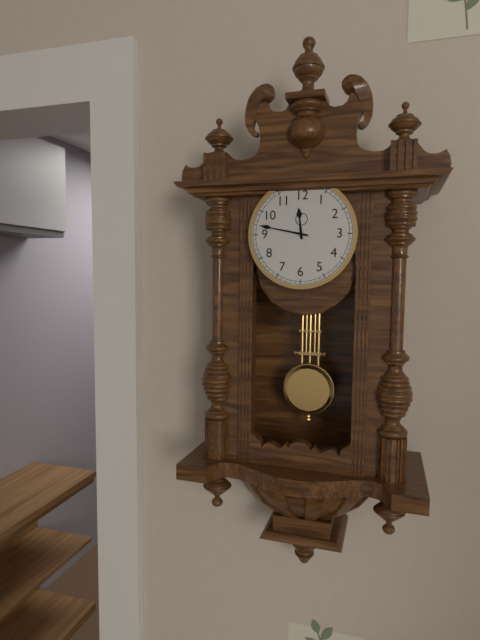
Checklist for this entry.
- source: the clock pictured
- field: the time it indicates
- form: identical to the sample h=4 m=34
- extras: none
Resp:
h=11 m=47
